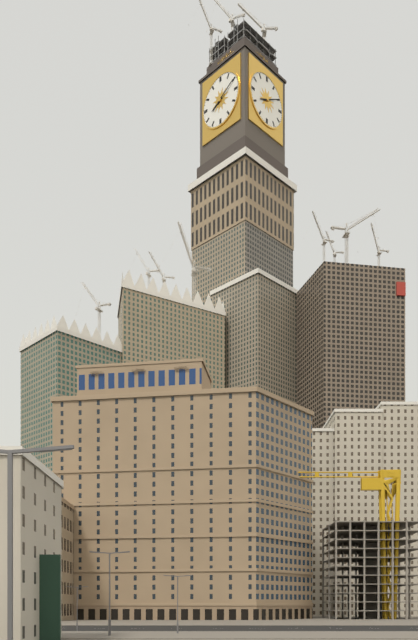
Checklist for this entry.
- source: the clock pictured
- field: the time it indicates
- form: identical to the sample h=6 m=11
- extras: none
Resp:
h=8 m=10
